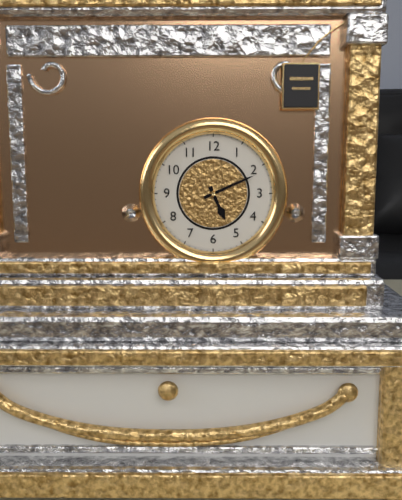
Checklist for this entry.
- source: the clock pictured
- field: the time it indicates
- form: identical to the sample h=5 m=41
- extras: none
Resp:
h=5 m=11
